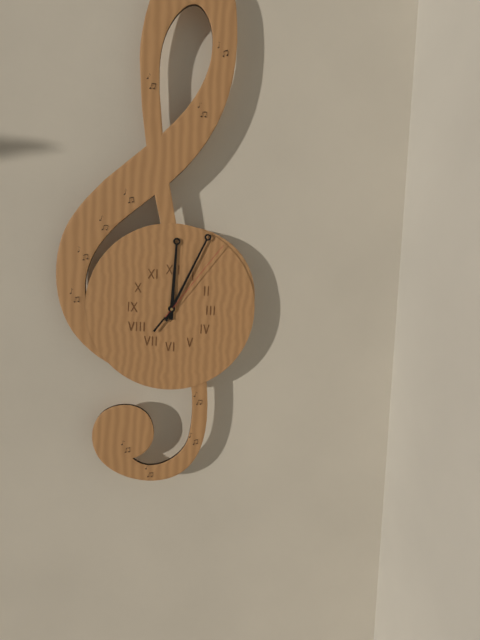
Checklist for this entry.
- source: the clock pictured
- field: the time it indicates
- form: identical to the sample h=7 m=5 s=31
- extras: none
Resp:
h=12 m=4 s=6
